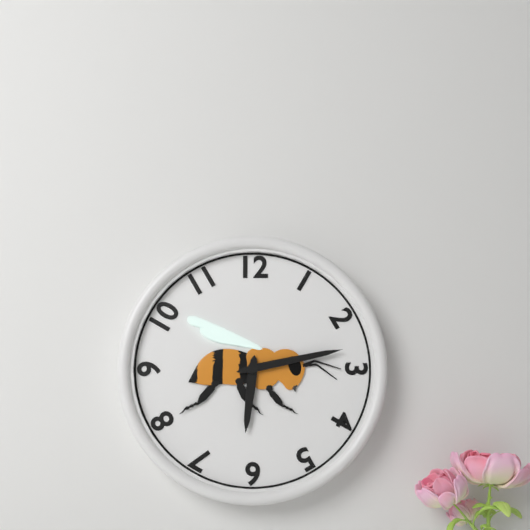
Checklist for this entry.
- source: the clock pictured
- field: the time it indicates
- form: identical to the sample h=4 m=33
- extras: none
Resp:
h=6 m=13
